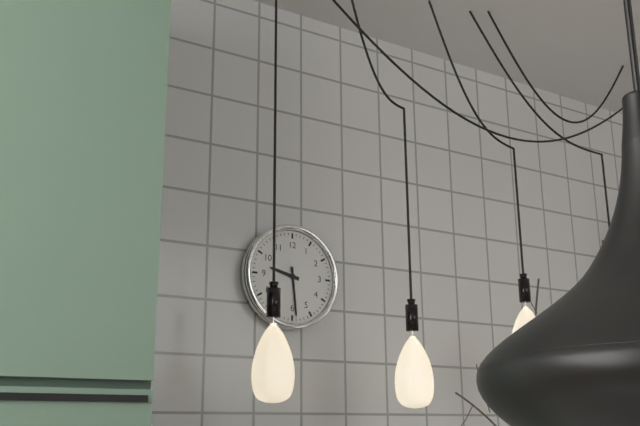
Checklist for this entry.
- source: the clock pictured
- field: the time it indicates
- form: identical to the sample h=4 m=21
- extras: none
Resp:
h=9 m=29
